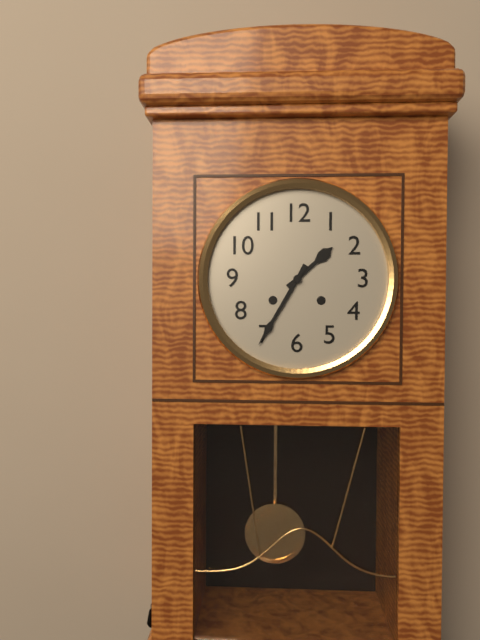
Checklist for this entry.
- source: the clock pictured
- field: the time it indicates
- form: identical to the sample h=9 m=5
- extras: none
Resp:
h=1 m=35
